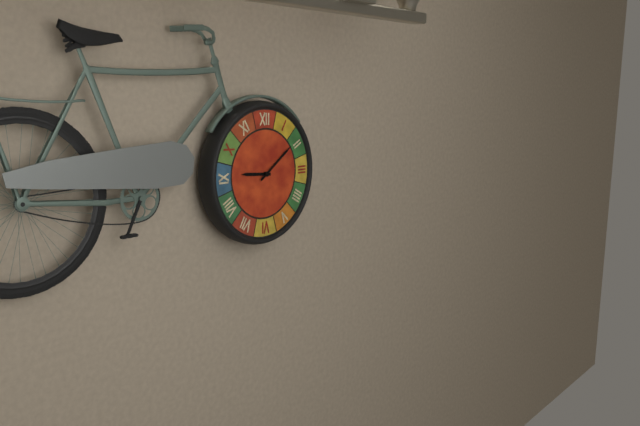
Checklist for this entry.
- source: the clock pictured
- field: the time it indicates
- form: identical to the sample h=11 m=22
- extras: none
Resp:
h=9 m=9
